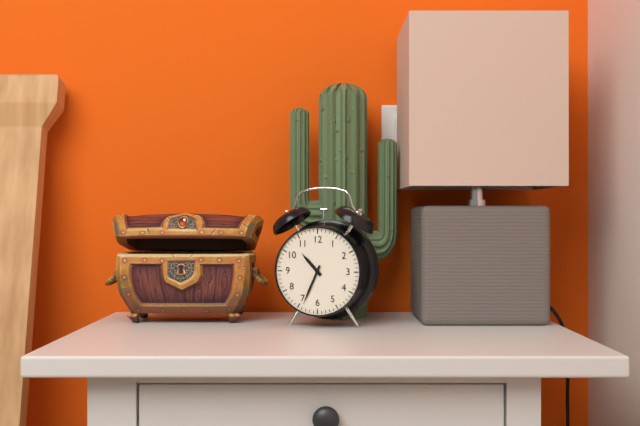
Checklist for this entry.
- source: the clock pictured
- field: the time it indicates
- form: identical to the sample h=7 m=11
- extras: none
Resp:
h=10 m=34
